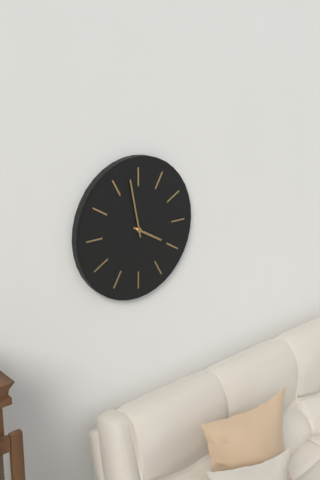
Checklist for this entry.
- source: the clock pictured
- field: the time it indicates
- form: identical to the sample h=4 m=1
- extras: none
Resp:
h=3 m=58
